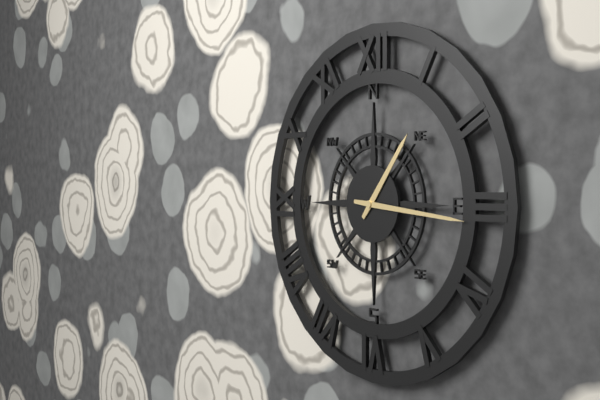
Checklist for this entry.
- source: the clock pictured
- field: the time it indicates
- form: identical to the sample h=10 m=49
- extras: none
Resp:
h=1 m=16
